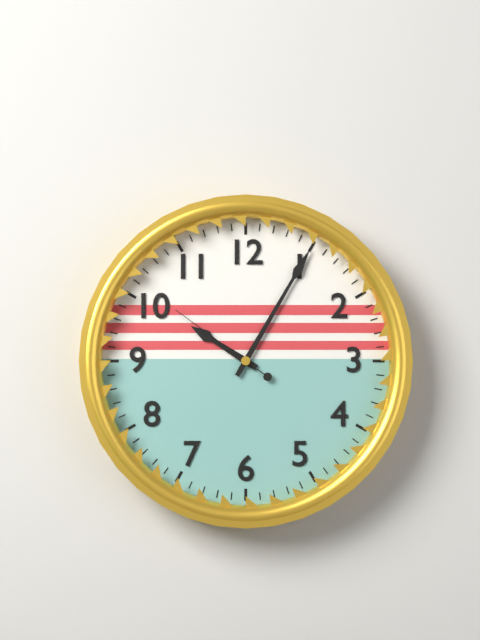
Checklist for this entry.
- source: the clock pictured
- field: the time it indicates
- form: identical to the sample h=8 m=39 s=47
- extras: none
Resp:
h=10 m=5 s=51
